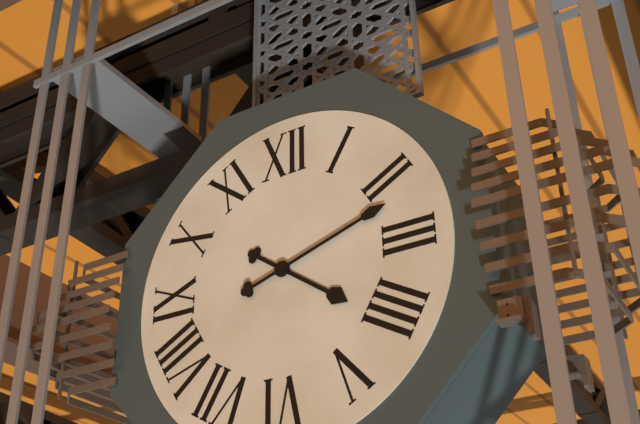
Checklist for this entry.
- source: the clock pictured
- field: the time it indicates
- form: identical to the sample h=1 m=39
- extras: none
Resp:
h=4 m=12
